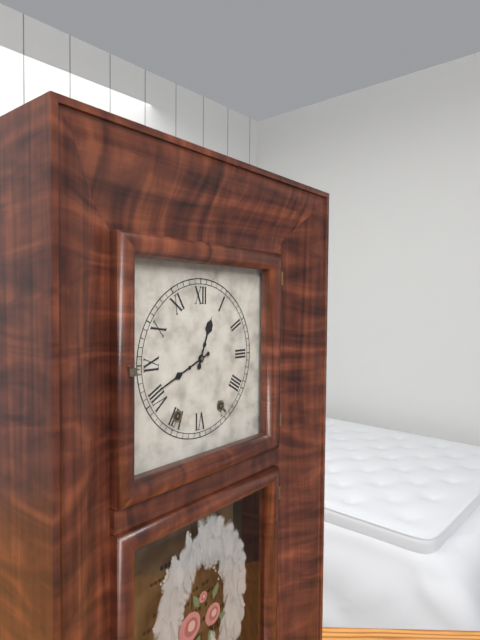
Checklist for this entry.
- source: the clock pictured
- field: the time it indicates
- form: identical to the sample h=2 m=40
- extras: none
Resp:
h=12 m=41
